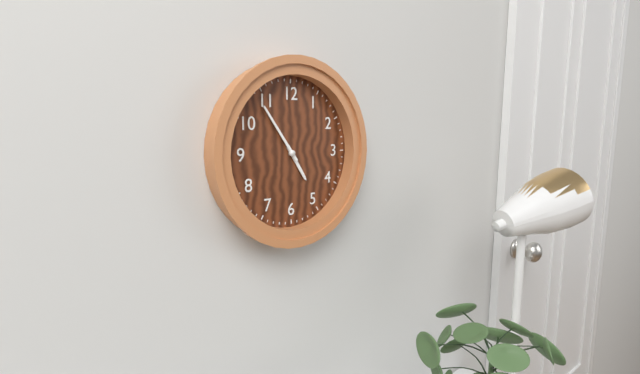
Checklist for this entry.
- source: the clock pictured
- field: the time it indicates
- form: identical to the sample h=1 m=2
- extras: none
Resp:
h=4 m=54
